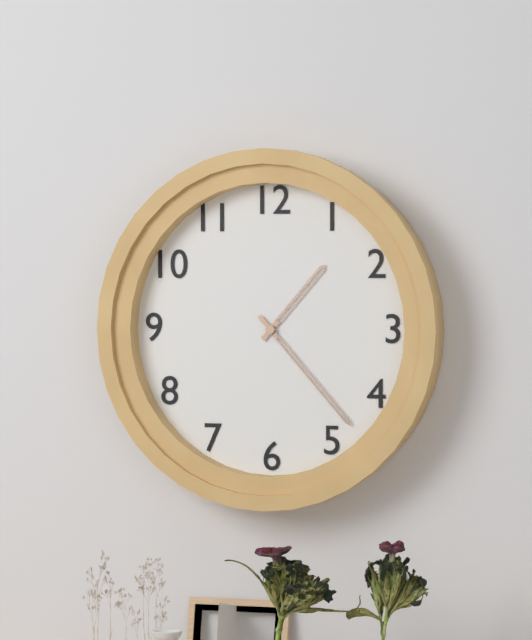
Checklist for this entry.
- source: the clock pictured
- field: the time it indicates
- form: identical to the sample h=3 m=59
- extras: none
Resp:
h=1 m=23
